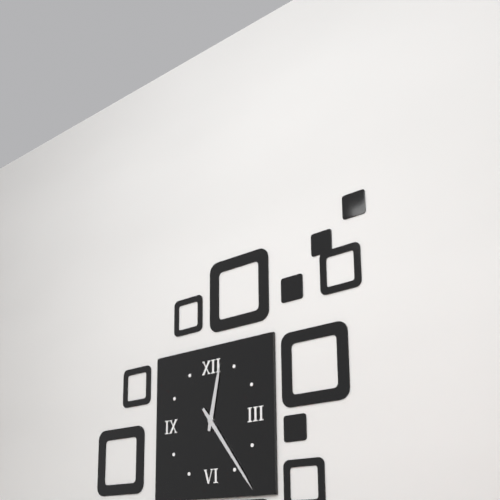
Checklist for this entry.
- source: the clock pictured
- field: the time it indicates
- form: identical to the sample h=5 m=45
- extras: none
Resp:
h=12 m=24
